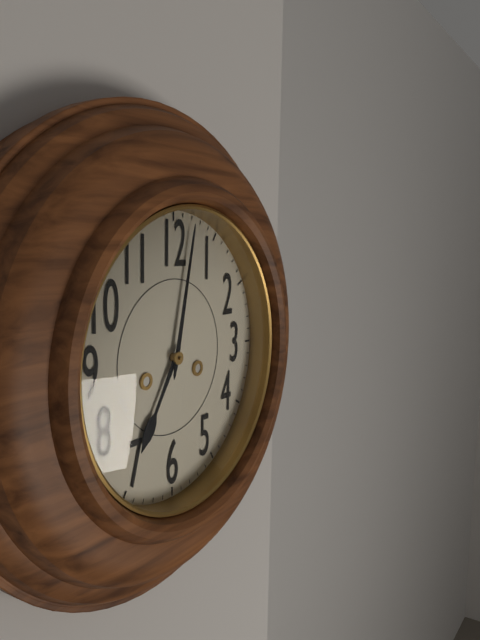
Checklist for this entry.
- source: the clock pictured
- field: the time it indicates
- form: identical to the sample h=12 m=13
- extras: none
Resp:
h=7 m=2
